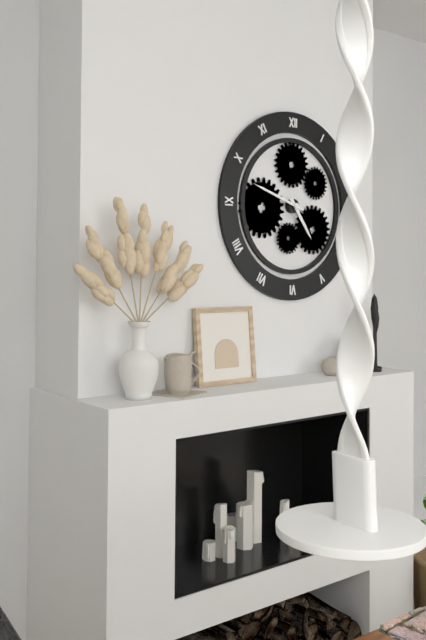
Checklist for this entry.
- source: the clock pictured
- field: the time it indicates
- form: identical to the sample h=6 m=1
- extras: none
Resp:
h=4 m=48
